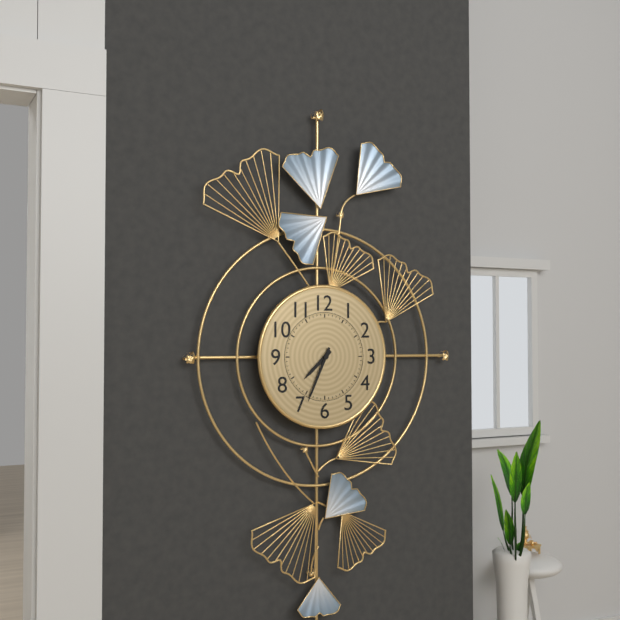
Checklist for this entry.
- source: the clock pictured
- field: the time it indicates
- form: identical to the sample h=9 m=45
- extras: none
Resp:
h=7 m=34
